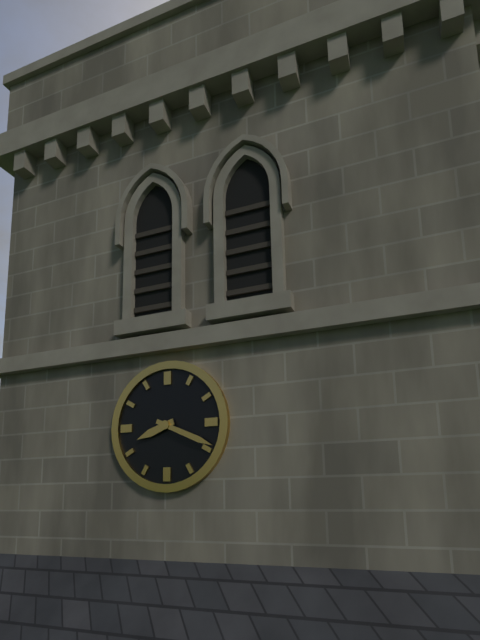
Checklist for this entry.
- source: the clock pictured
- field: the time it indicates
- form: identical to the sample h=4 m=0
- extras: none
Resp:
h=8 m=19
